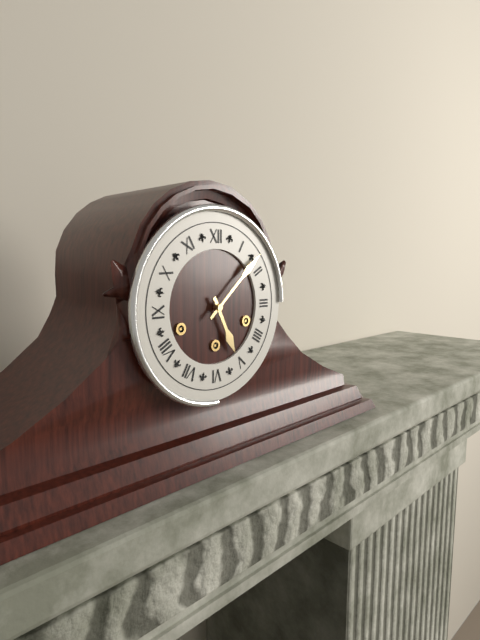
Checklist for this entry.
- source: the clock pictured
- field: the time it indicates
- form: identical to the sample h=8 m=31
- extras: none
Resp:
h=5 m=8
